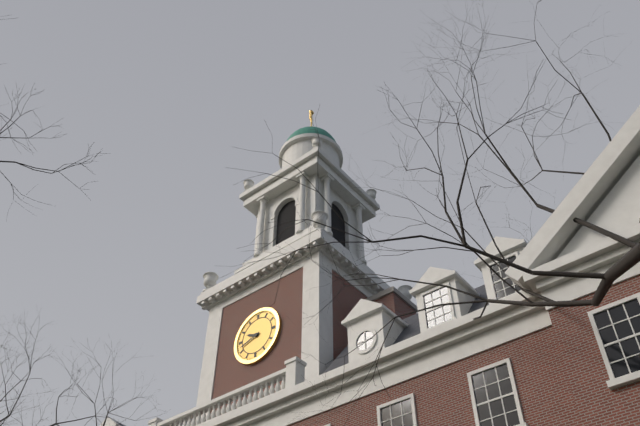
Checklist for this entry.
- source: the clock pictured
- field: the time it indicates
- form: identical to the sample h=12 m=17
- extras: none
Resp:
h=9 m=42
